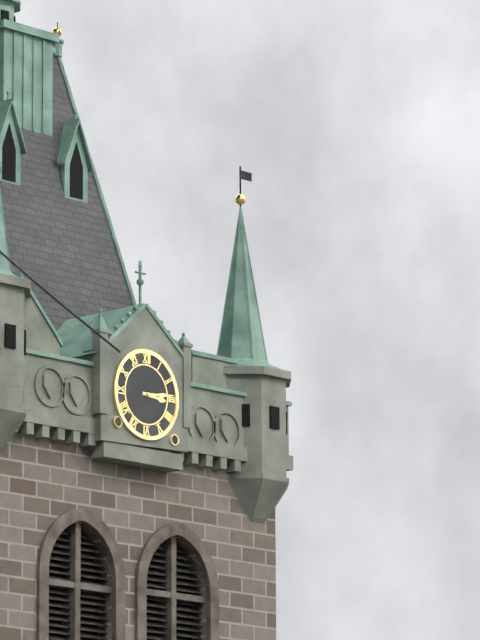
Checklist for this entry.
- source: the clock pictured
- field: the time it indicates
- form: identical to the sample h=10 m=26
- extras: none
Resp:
h=3 m=14
